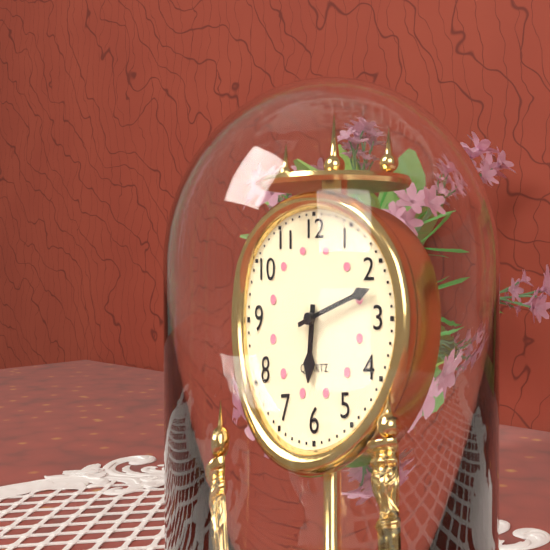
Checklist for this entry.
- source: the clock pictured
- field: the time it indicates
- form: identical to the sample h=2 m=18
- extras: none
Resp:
h=6 m=12
